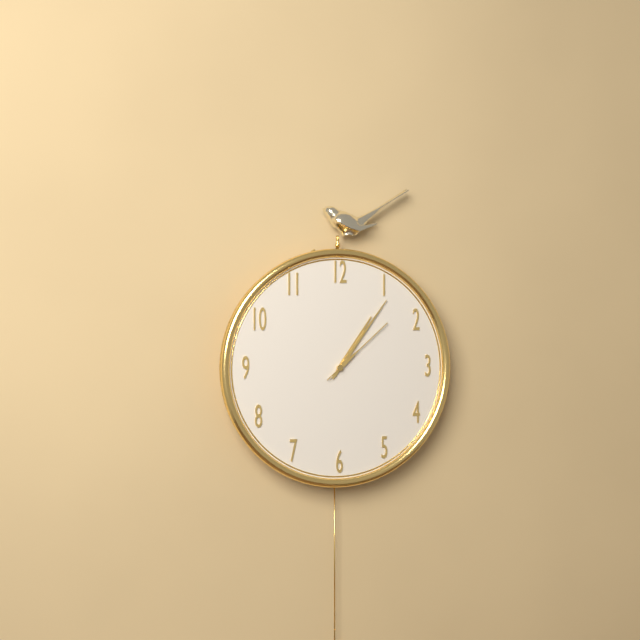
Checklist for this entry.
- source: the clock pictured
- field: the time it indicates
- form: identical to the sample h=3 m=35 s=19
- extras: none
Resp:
h=1 m=6 s=8
